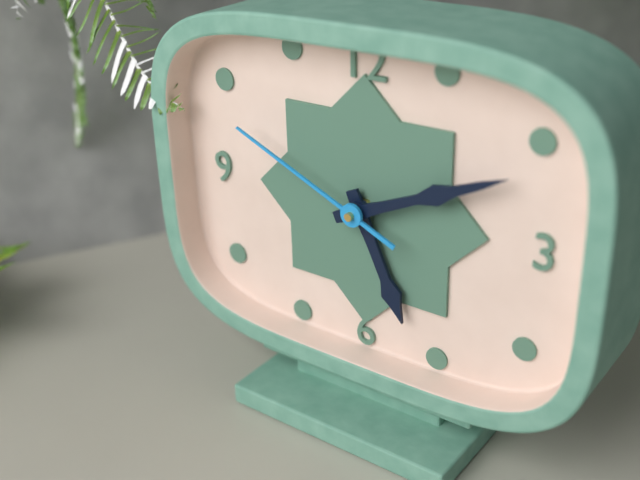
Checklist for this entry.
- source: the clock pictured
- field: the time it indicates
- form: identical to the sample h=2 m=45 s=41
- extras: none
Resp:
h=5 m=11 s=49
